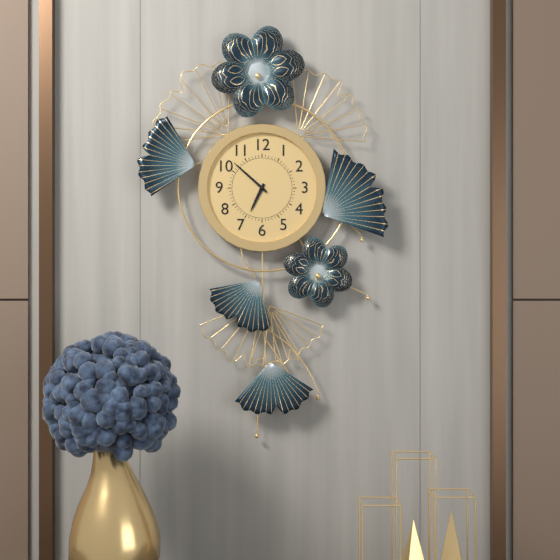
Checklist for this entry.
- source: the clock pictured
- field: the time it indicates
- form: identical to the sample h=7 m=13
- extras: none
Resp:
h=6 m=52
